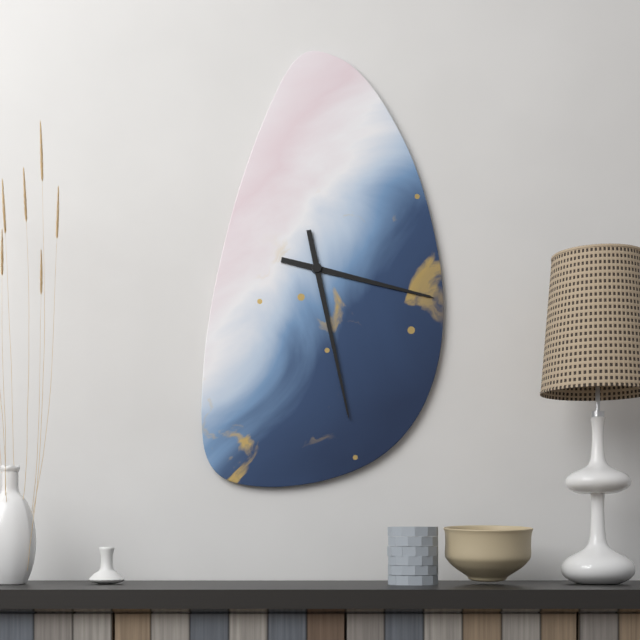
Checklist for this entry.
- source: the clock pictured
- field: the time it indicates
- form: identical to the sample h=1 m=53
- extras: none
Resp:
h=3 m=28
